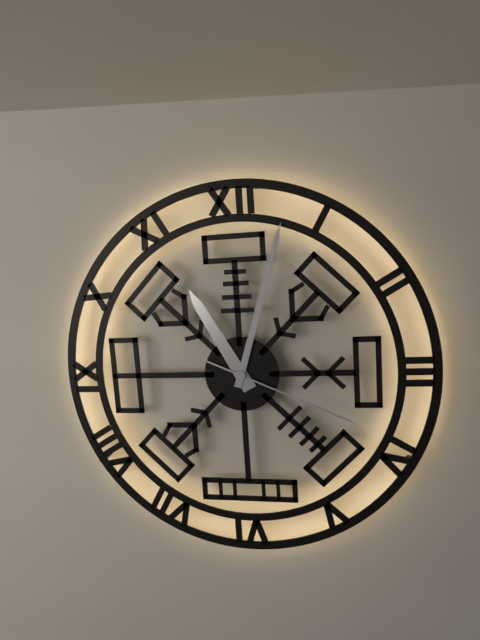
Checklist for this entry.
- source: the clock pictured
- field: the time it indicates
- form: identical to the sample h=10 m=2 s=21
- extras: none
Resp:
h=11 m=3 s=19
